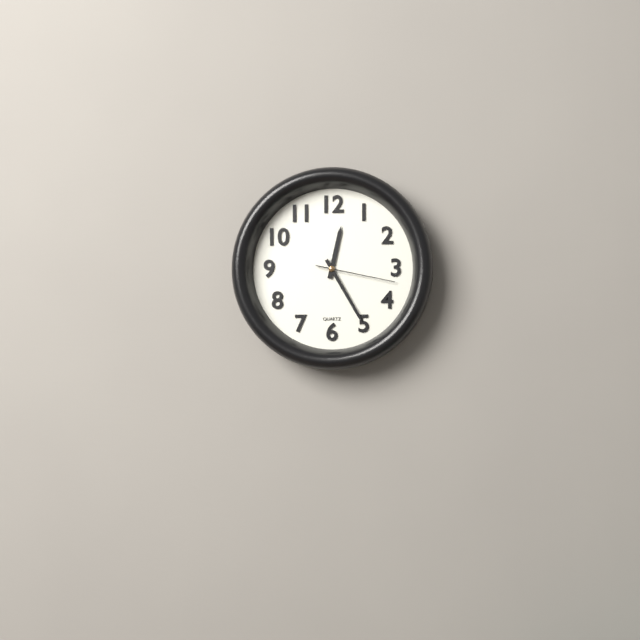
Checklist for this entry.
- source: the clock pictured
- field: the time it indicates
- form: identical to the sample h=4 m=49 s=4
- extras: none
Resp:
h=12 m=25 s=17
